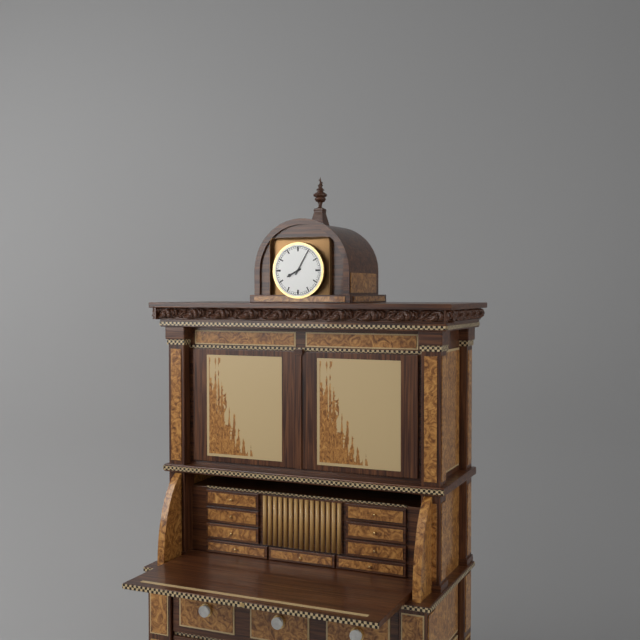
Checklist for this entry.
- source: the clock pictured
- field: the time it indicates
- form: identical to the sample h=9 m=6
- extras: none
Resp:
h=8 m=5
